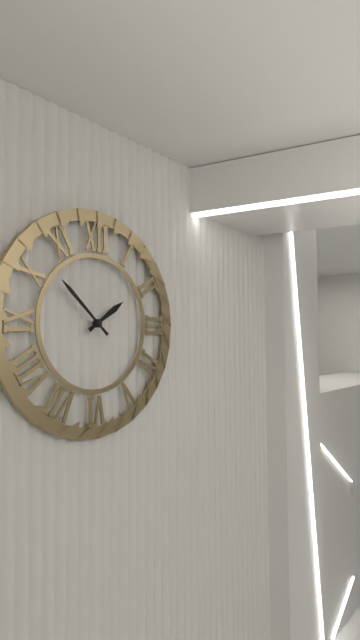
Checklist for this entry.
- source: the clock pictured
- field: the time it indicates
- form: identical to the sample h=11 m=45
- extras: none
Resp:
h=1 m=52
